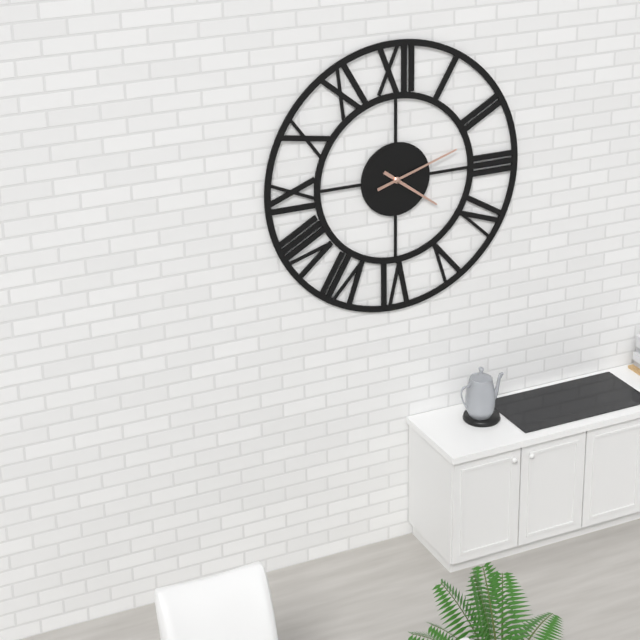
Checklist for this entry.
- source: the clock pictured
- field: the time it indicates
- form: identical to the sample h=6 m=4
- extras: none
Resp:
h=4 m=12
